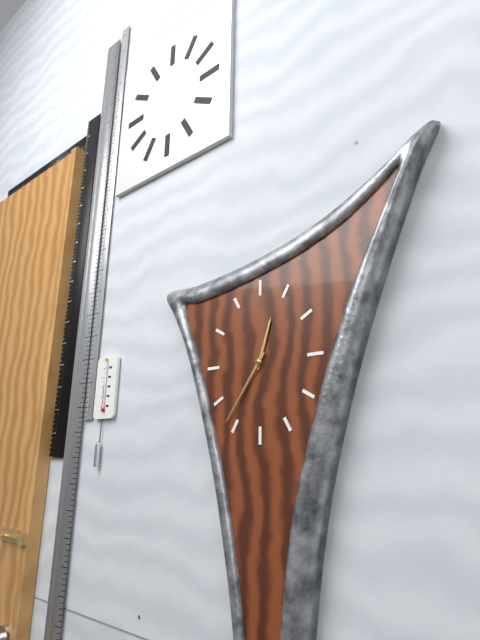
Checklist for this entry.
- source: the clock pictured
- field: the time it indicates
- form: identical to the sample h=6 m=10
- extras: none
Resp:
h=12 m=36
